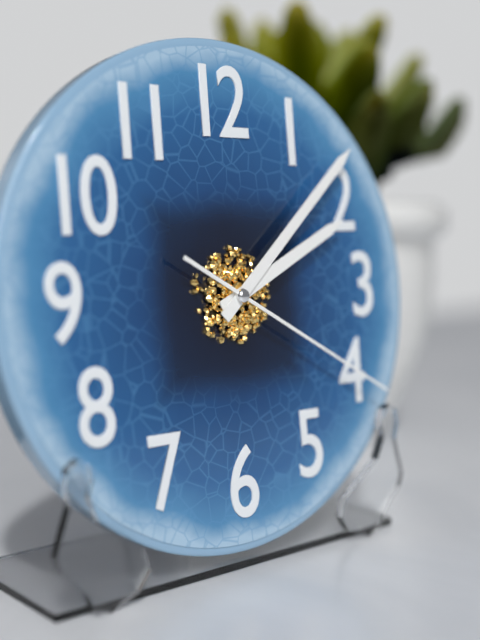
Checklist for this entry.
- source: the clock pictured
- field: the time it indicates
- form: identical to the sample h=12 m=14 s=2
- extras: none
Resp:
h=2 m=8 s=20
